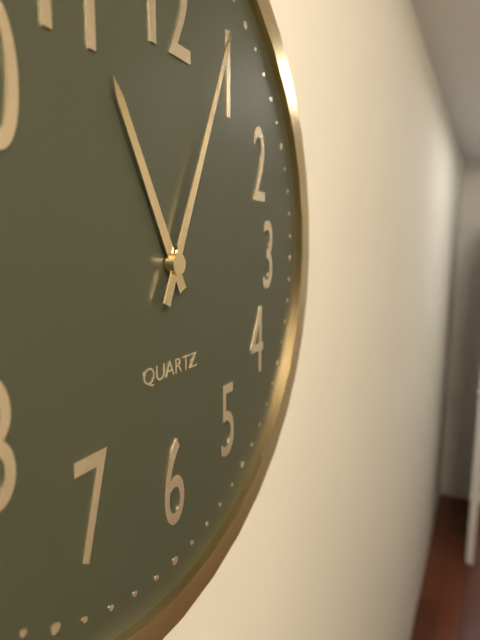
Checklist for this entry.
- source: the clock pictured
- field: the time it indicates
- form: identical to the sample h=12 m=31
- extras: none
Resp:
h=11 m=4
